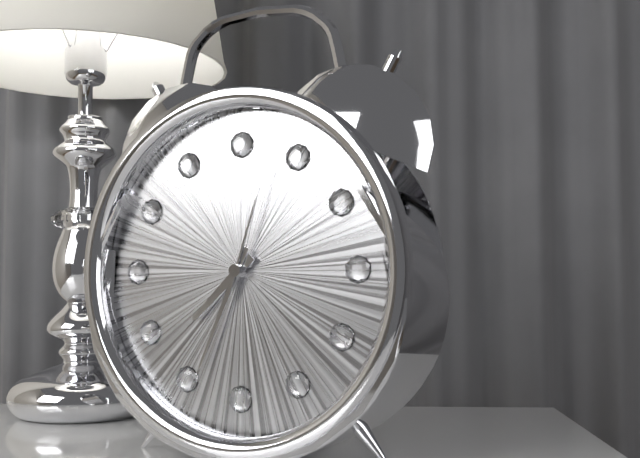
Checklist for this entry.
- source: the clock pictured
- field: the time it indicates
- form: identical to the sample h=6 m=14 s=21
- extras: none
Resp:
h=7 m=34 s=3
